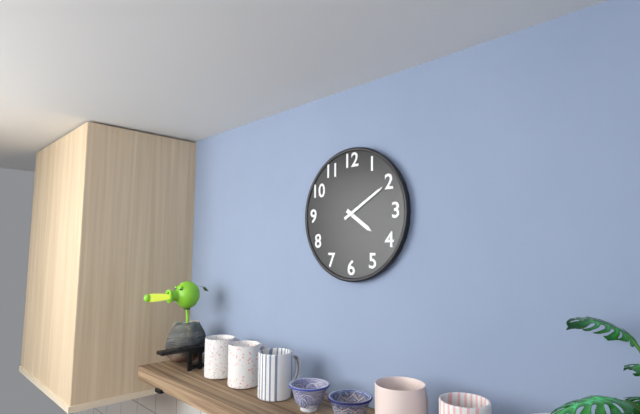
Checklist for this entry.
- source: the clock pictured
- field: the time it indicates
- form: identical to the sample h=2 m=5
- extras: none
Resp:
h=4 m=10
